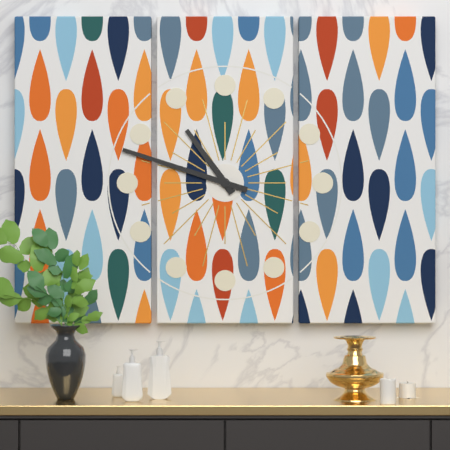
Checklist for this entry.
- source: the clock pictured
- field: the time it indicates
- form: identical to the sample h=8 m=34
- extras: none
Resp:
h=10 m=48
